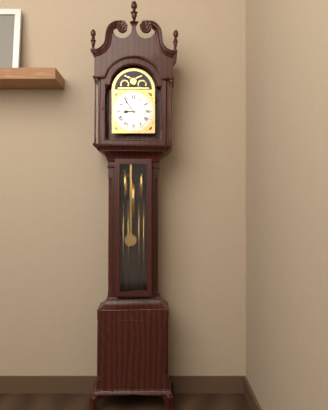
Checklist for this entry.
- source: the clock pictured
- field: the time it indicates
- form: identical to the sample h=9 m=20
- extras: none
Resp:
h=8 m=54
